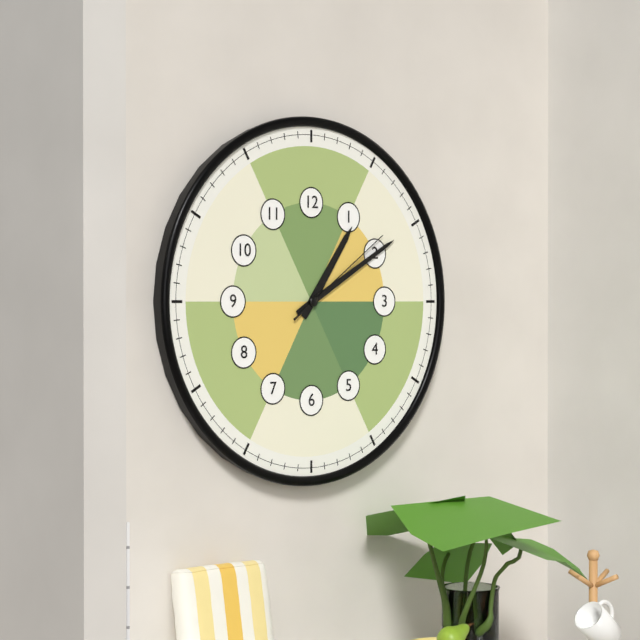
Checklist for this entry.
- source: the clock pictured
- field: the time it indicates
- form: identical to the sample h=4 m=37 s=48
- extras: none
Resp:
h=1 m=10 s=9
